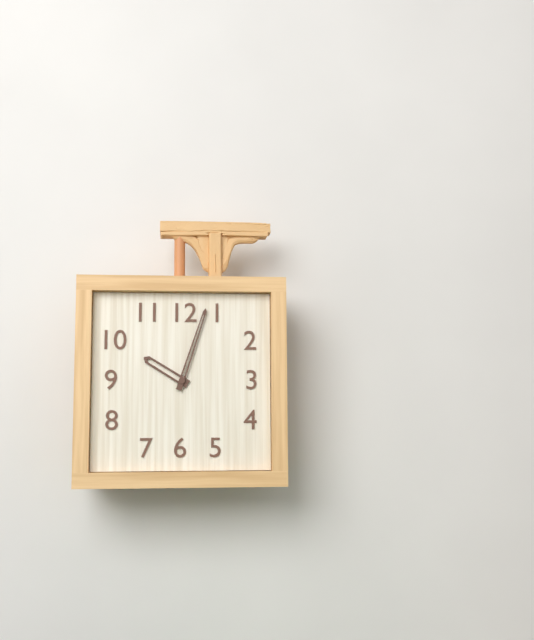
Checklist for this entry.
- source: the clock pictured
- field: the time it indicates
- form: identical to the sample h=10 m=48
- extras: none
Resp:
h=10 m=3
